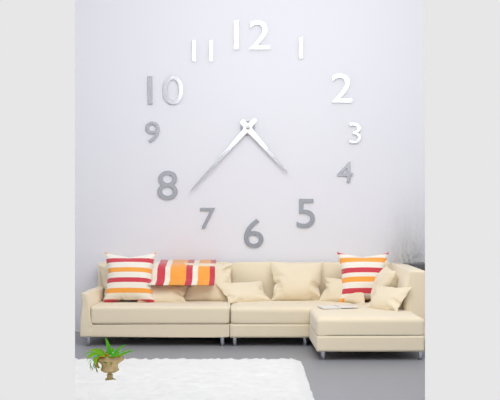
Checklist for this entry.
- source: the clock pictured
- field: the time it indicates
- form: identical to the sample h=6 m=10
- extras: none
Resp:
h=4 m=37
